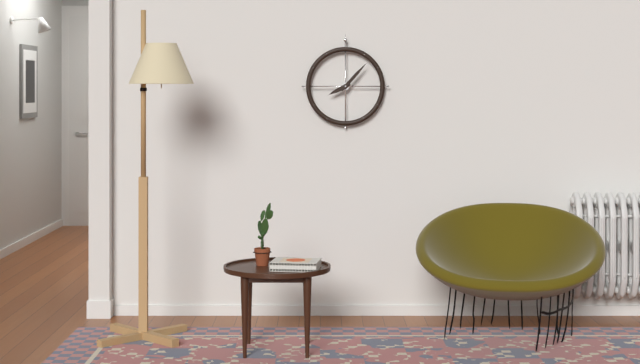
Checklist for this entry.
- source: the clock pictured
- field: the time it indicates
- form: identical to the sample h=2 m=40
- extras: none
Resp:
h=8 m=7
